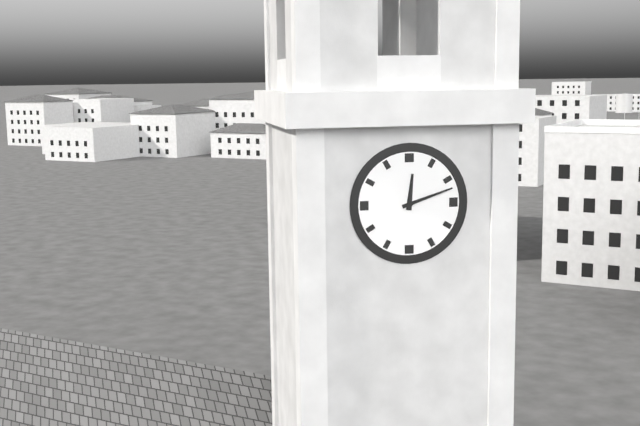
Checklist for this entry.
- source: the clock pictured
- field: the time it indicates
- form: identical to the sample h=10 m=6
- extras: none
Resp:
h=12 m=12
